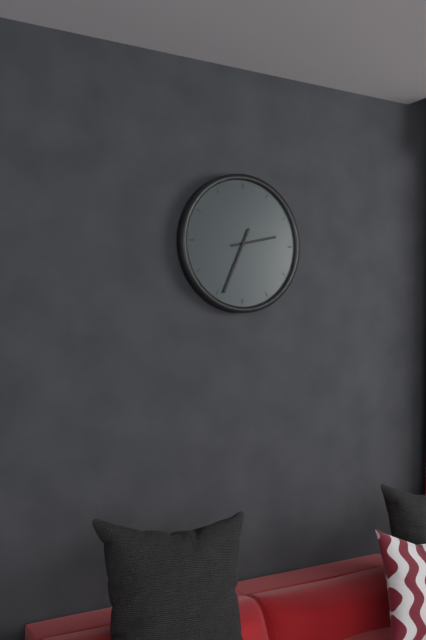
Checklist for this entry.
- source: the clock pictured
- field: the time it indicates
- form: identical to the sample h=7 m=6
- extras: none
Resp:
h=2 m=34
